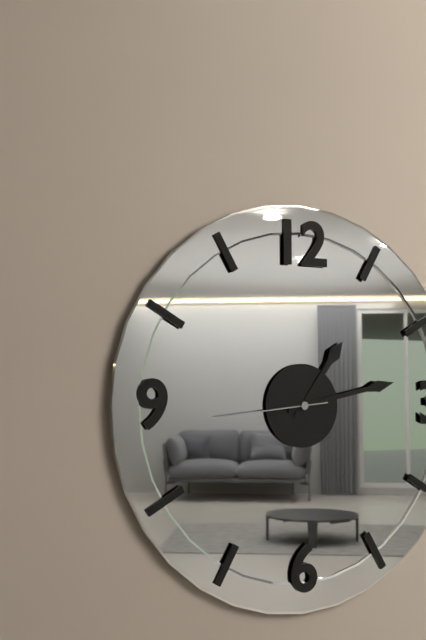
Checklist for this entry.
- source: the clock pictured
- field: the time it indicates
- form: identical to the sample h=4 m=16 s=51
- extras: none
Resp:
h=1 m=13 s=44
